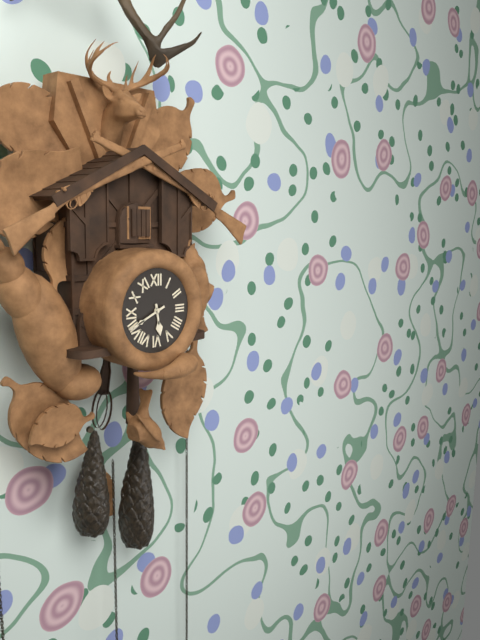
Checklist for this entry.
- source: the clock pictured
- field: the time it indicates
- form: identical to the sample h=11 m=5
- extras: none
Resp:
h=5 m=41
